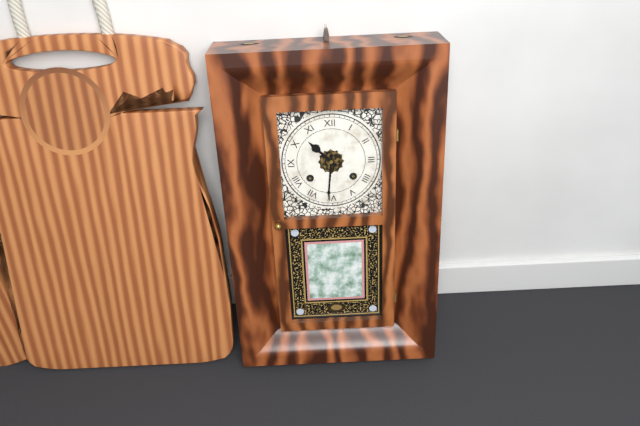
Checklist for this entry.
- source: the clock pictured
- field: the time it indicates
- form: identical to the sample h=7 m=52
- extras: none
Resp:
h=10 m=31
